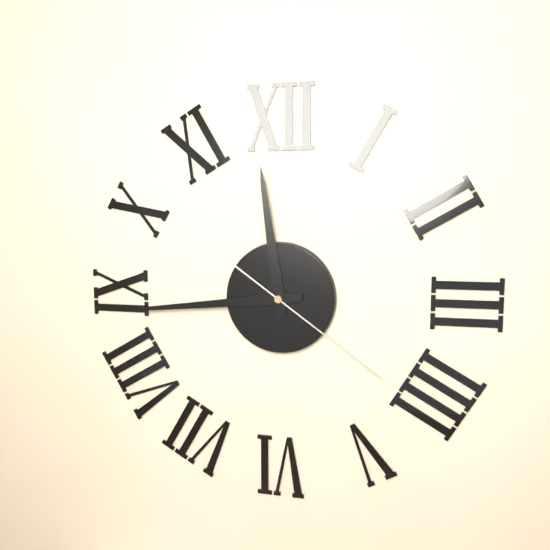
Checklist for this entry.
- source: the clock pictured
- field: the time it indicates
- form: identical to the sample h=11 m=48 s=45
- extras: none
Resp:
h=11 m=44 s=21
